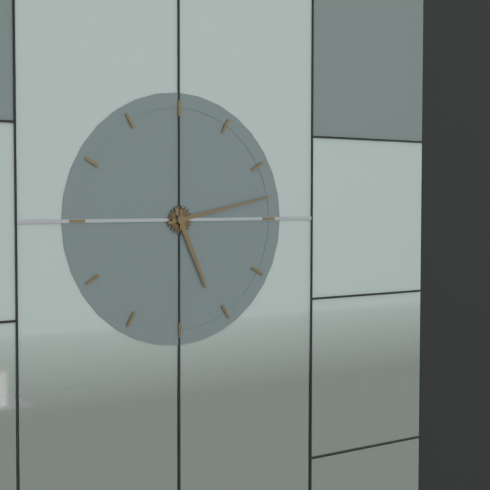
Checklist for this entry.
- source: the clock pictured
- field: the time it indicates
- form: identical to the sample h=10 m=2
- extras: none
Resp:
h=5 m=13
